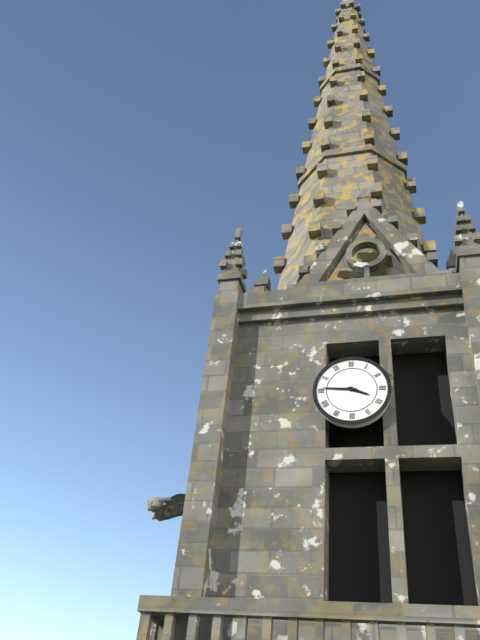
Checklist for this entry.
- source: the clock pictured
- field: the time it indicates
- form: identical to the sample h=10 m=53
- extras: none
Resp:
h=3 m=46
